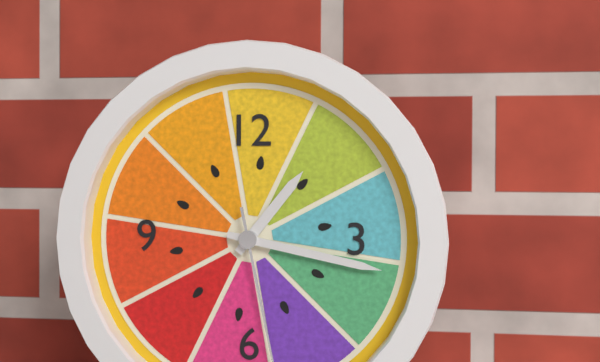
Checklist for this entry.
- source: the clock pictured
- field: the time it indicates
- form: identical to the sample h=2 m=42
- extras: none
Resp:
h=1 m=17
